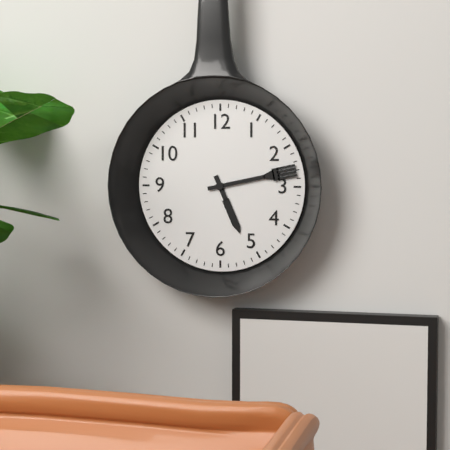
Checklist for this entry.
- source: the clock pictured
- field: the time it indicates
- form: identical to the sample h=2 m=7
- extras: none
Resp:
h=5 m=13
